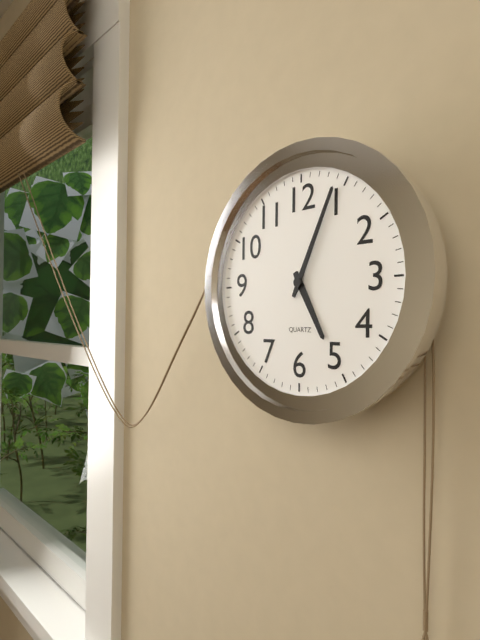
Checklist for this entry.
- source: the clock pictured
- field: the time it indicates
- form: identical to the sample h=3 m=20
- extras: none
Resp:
h=5 m=4
